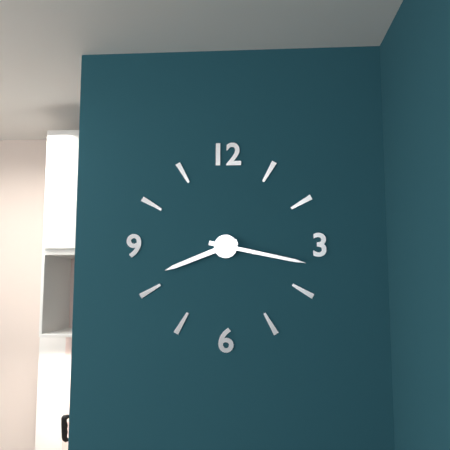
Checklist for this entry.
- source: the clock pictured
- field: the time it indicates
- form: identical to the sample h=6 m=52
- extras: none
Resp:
h=8 m=17
